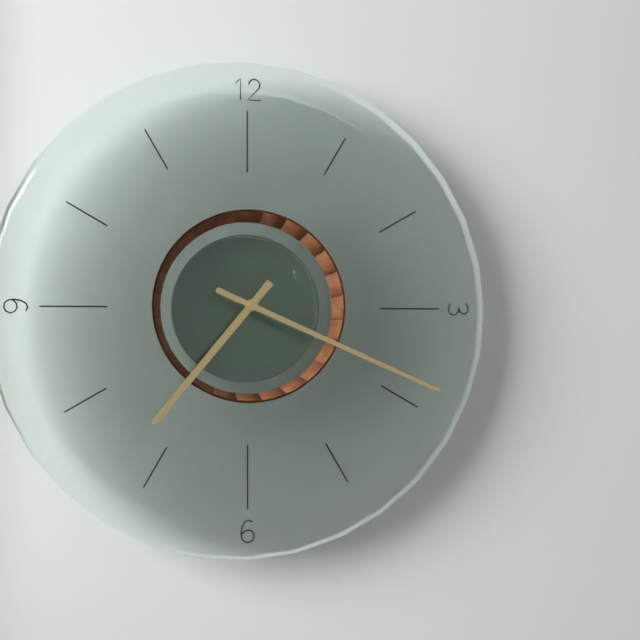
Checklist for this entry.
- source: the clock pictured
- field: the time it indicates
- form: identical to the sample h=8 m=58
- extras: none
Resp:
h=7 m=19
